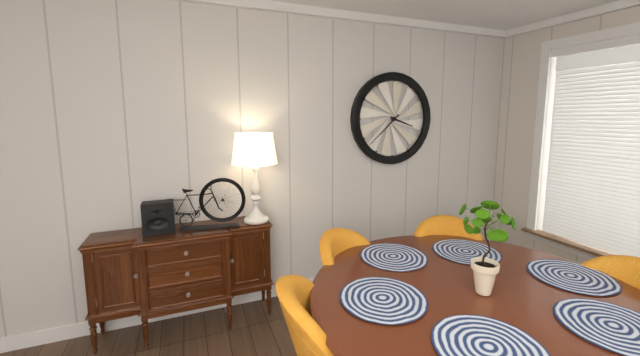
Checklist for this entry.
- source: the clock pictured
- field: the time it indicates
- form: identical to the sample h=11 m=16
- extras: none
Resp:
h=3 m=38
